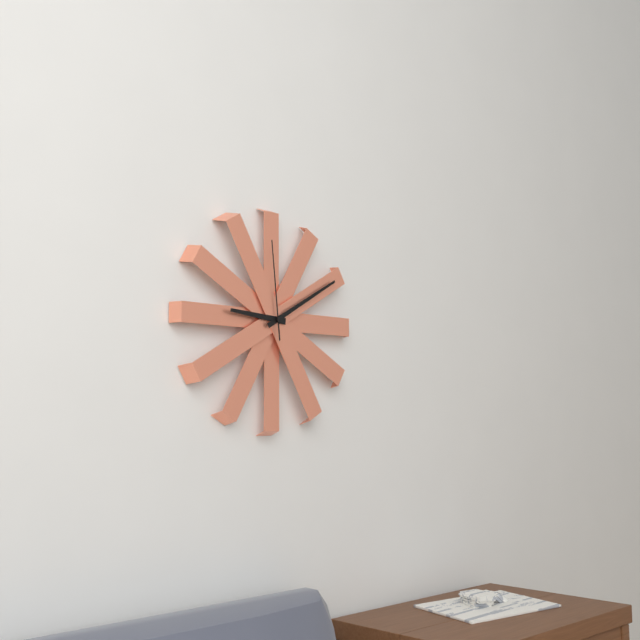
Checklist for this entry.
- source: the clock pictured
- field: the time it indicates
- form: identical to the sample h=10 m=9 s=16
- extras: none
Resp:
h=9 m=10 s=59
